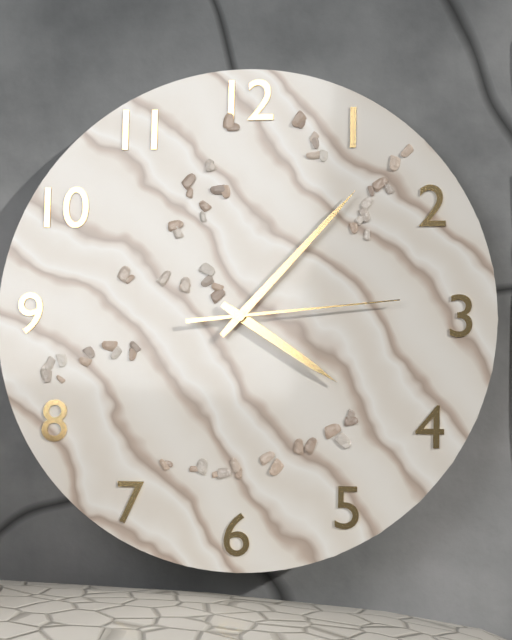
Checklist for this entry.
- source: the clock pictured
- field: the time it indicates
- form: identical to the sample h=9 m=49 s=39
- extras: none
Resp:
h=4 m=7 s=14
